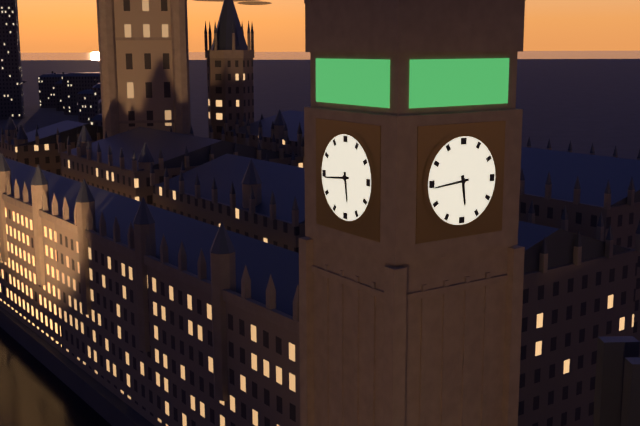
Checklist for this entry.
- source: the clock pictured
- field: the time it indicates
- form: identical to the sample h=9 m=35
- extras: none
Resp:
h=5 m=44
